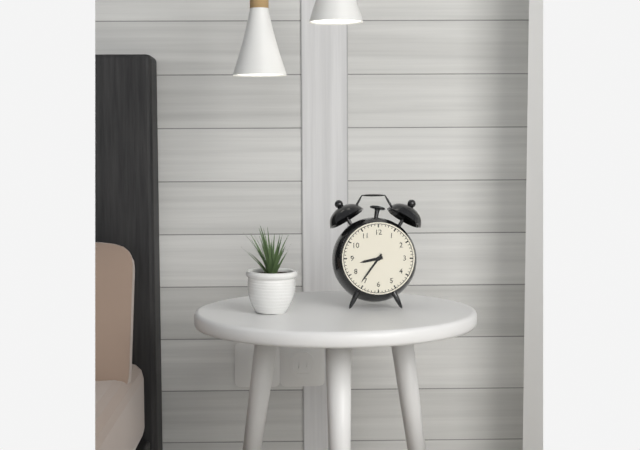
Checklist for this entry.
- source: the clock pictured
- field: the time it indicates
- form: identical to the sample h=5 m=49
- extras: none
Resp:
h=8 m=36
